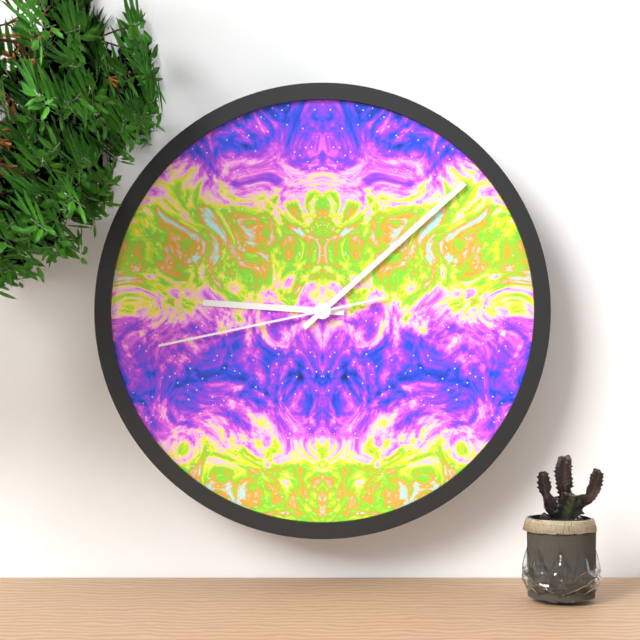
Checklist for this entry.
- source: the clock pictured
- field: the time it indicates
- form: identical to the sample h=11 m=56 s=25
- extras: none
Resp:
h=9 m=8 s=43
